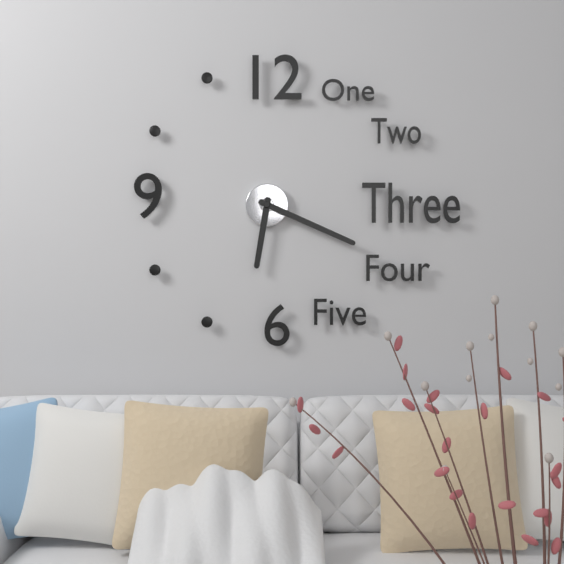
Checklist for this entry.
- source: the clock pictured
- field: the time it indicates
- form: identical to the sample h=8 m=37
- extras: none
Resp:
h=6 m=19
